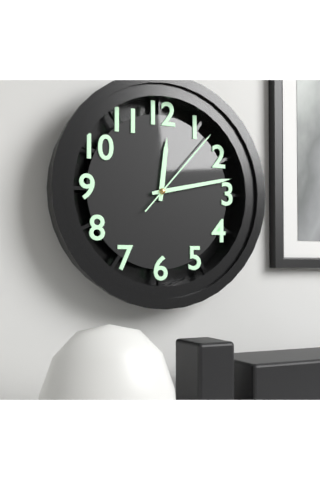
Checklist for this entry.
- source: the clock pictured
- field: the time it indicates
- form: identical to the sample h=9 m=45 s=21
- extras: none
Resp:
h=12 m=13 s=7
